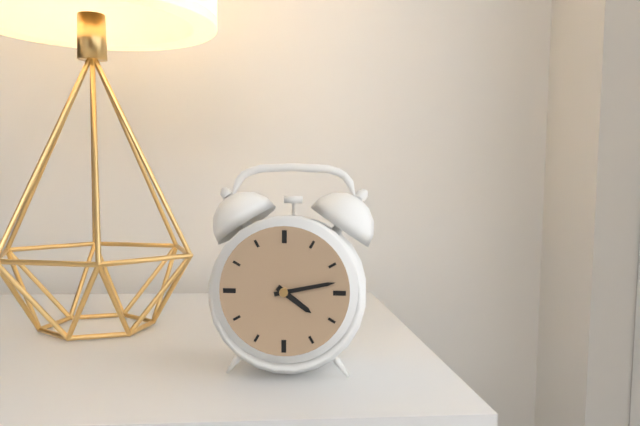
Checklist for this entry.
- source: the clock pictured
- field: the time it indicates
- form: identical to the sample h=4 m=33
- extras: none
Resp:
h=4 m=13
